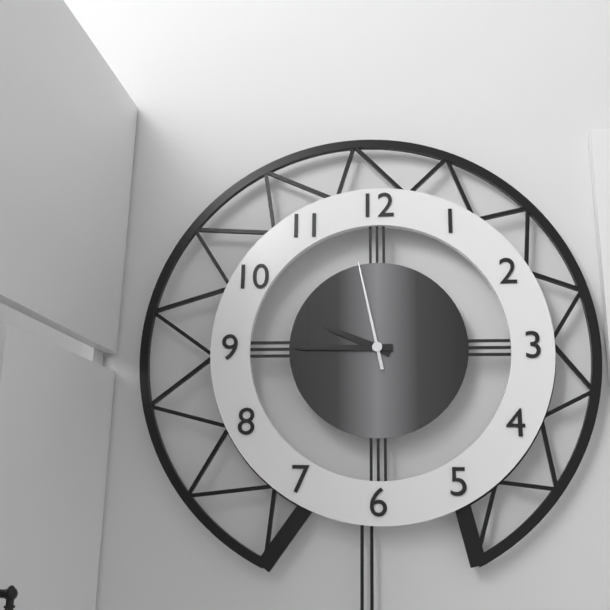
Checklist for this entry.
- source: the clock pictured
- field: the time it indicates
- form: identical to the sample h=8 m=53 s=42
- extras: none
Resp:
h=9 m=45 s=58
